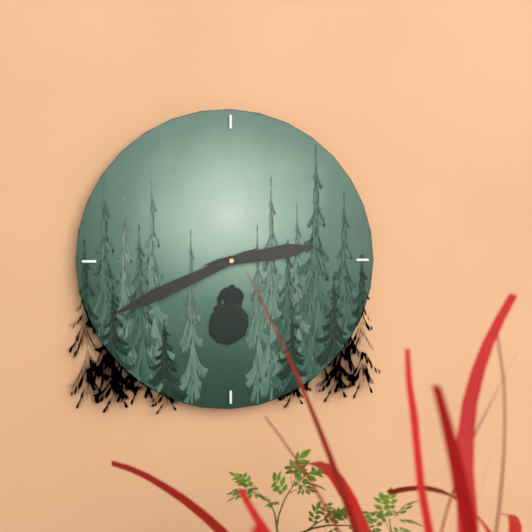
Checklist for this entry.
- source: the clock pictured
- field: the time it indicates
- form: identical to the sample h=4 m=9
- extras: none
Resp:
h=2 m=41
